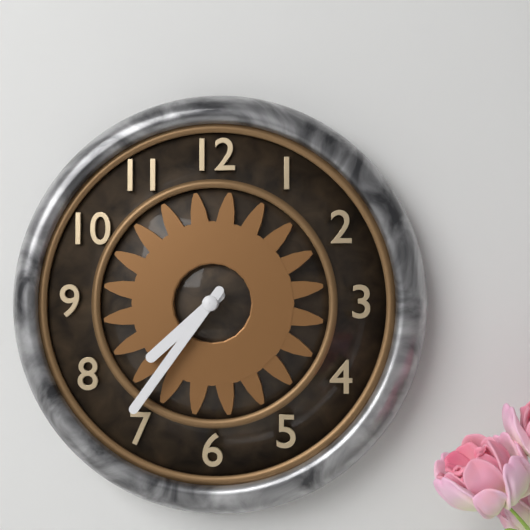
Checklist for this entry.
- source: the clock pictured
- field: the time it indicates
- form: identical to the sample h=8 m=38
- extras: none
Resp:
h=7 m=36
